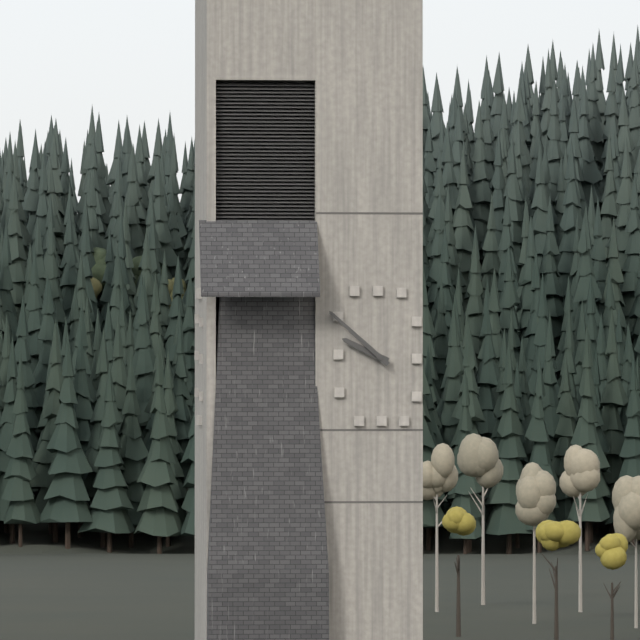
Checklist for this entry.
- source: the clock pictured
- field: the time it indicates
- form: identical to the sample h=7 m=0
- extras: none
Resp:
h=9 m=52
